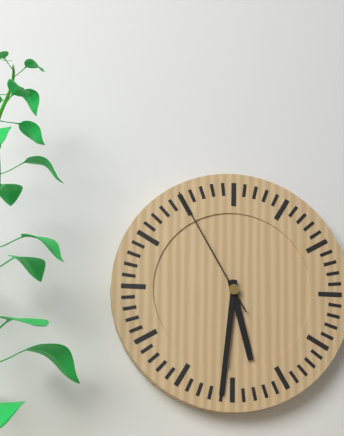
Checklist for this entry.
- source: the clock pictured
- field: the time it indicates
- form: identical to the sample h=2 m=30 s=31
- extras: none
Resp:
h=5 m=31 s=55
